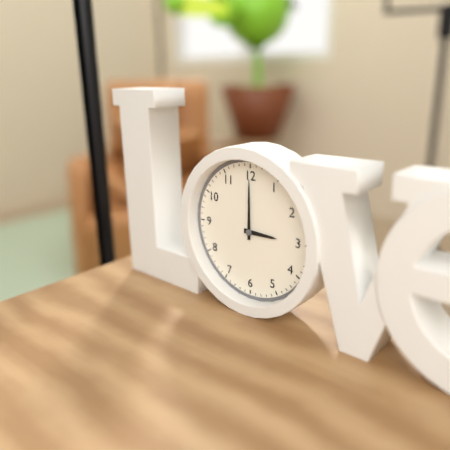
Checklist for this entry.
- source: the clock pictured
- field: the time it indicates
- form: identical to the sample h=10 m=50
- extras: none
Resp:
h=3 m=0
